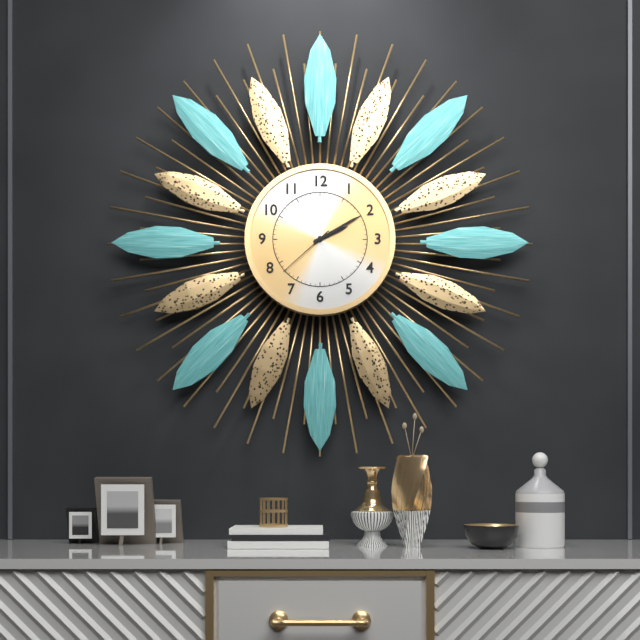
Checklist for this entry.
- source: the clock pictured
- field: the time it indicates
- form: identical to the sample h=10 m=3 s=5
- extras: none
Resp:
h=2 m=10 s=38
